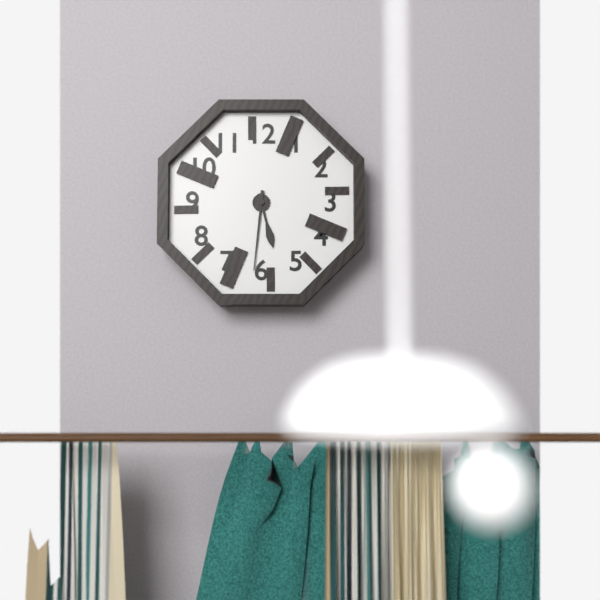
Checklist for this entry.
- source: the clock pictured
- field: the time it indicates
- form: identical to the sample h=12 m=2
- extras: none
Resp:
h=5 m=31
